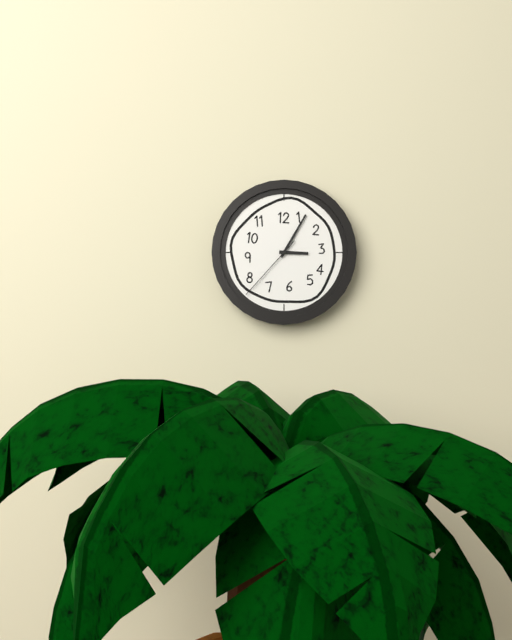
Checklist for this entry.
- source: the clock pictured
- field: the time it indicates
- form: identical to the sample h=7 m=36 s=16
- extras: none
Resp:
h=3 m=5 s=37
